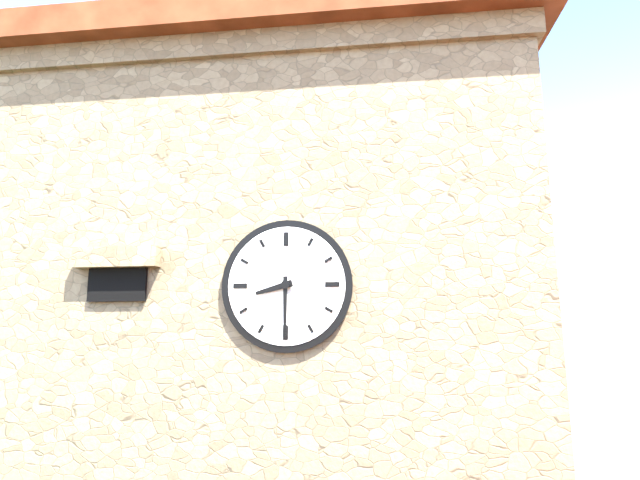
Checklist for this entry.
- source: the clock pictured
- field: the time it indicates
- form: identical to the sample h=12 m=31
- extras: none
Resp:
h=8 m=30
